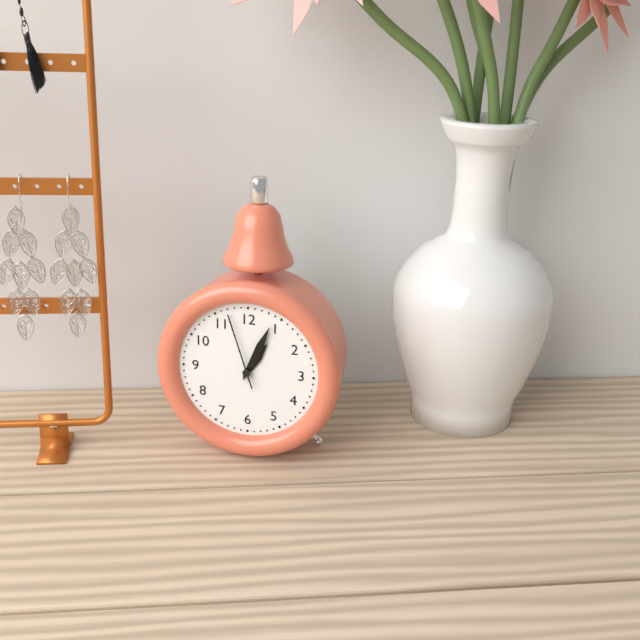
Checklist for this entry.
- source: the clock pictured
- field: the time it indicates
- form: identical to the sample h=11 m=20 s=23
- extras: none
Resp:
h=1 m=4 s=57
